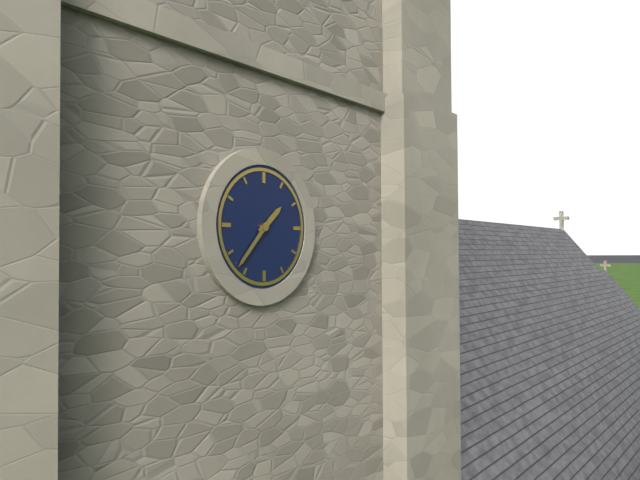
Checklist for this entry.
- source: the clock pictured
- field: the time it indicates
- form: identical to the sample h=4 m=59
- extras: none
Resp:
h=1 m=37
